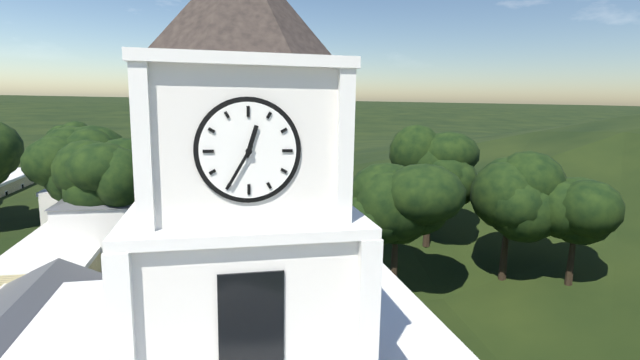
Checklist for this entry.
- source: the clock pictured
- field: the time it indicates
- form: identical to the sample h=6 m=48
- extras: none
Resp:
h=12 m=35
